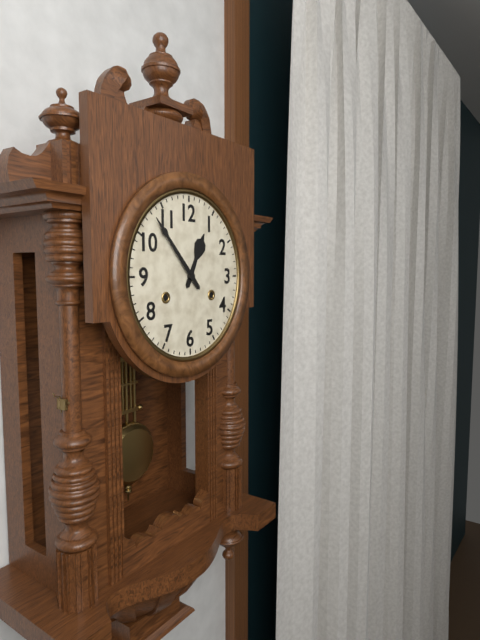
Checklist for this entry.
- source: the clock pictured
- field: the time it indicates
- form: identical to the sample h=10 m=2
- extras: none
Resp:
h=12 m=53
